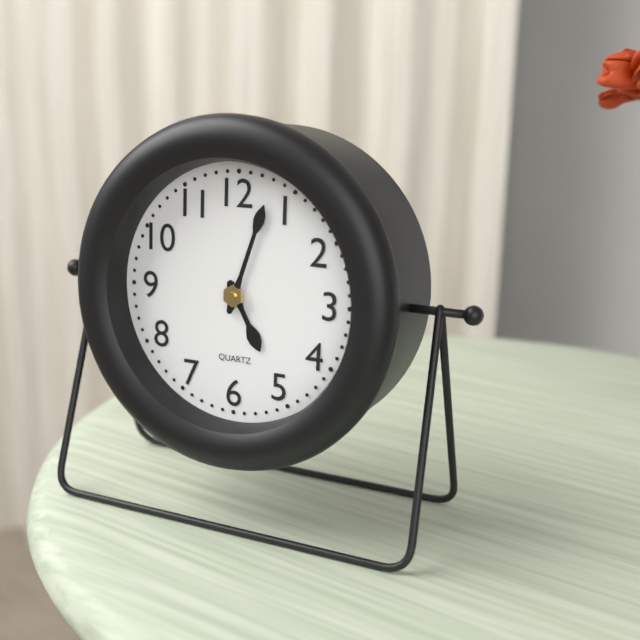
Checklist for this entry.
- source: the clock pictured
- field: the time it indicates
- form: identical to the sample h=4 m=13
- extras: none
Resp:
h=5 m=3
